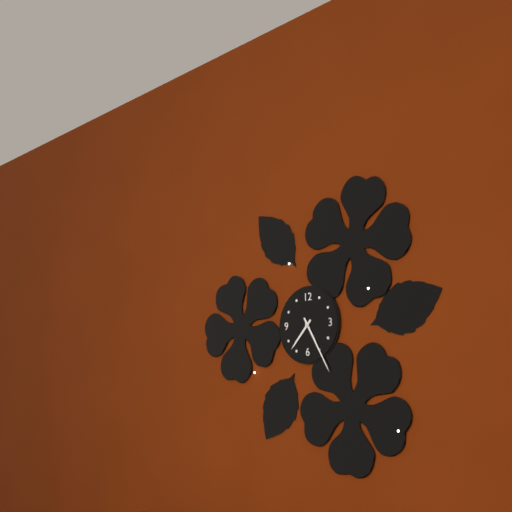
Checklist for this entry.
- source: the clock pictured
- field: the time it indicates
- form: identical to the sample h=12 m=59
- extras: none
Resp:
h=7 m=25
